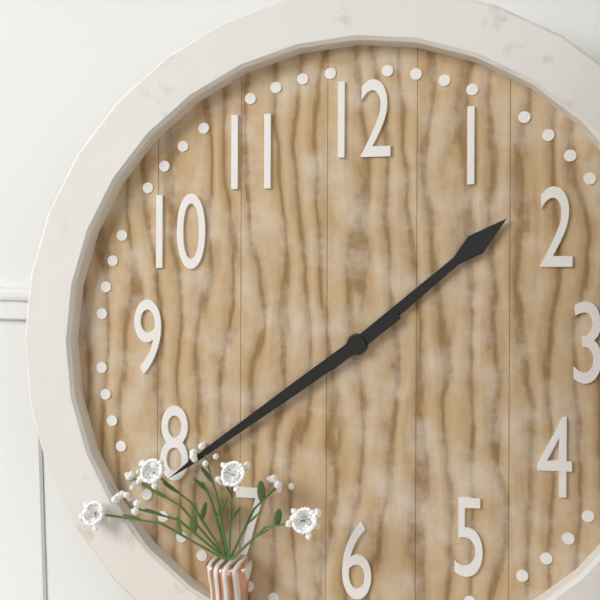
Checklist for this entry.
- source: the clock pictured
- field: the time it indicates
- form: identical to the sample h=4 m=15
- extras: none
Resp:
h=1 m=39
